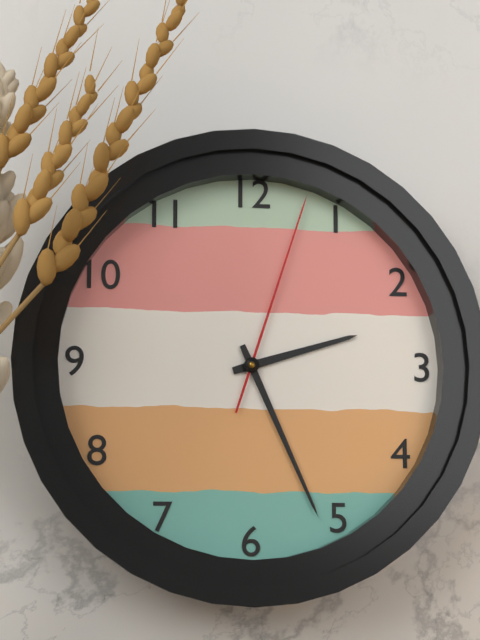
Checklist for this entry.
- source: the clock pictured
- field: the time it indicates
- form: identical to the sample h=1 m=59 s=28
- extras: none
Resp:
h=2 m=26 s=3
